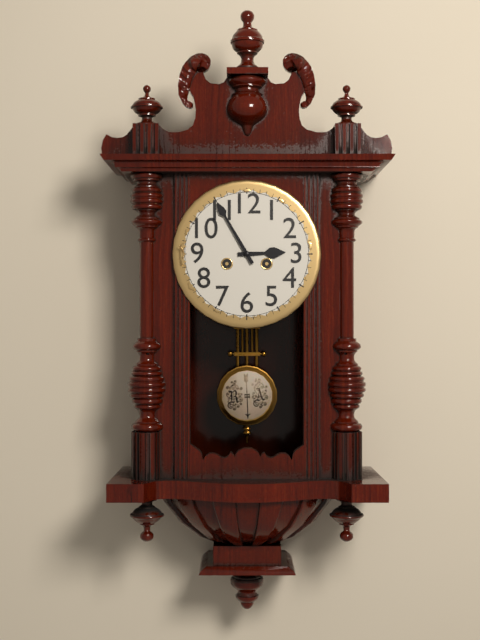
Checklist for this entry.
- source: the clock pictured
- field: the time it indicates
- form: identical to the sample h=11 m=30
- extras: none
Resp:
h=2 m=55
